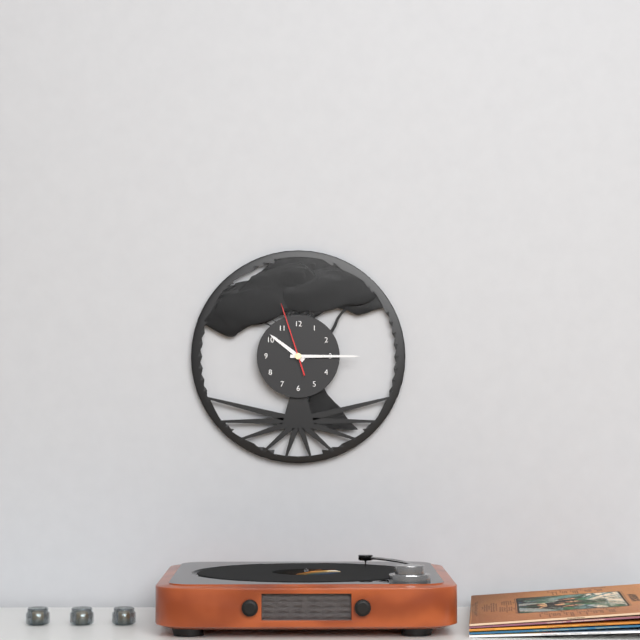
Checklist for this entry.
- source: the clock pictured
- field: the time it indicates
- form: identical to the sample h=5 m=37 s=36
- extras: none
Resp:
h=10 m=15 s=57
